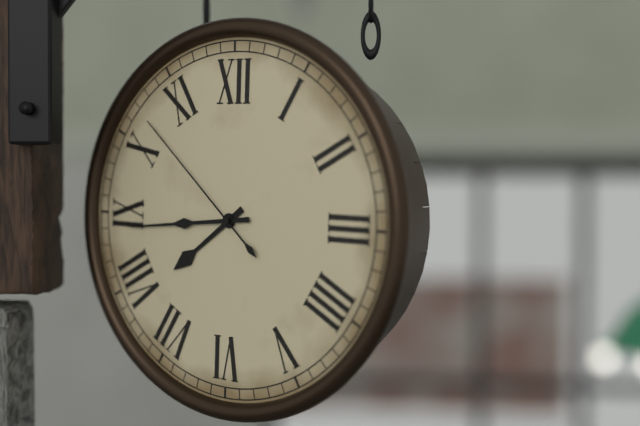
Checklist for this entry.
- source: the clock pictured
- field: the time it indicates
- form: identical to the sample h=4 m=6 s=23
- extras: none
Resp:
h=7 m=44 s=52
